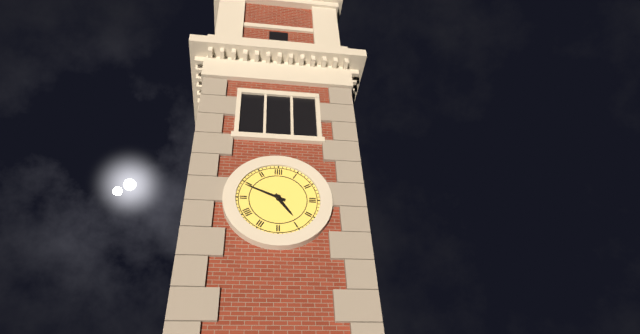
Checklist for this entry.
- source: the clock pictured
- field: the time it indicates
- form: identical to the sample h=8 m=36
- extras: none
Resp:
h=4 m=49
